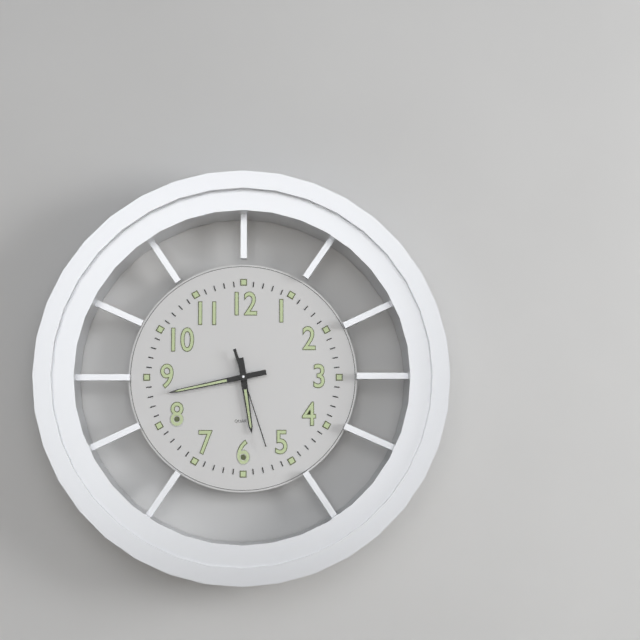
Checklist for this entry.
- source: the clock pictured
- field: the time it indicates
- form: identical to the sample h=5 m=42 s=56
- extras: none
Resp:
h=5 m=43 s=27
